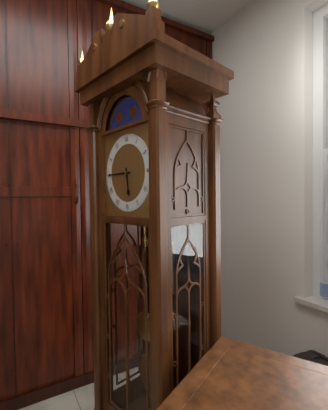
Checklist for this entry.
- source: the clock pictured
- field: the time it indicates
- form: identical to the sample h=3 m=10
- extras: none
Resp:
h=5 m=45
